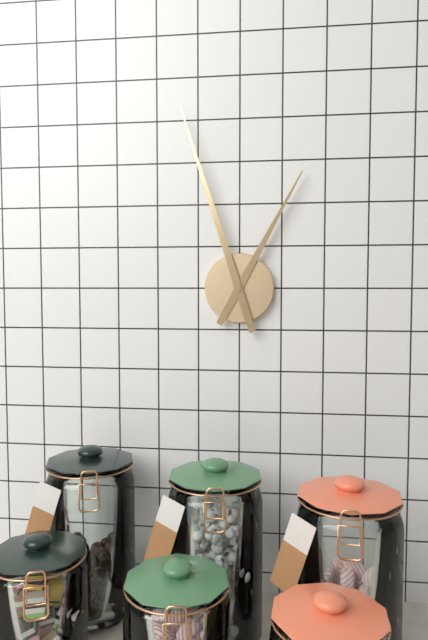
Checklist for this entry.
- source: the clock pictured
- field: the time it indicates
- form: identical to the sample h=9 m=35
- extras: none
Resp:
h=12 m=57
